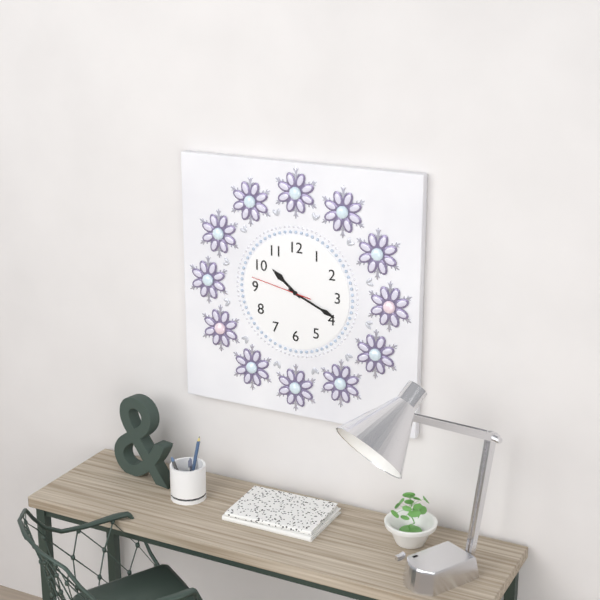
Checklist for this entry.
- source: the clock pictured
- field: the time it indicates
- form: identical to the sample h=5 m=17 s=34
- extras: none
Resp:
h=10 m=19 s=47
